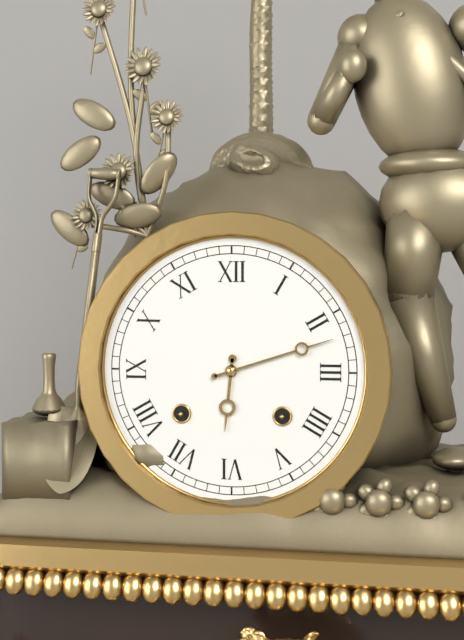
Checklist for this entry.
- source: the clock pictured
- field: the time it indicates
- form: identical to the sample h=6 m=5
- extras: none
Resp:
h=6 m=12
